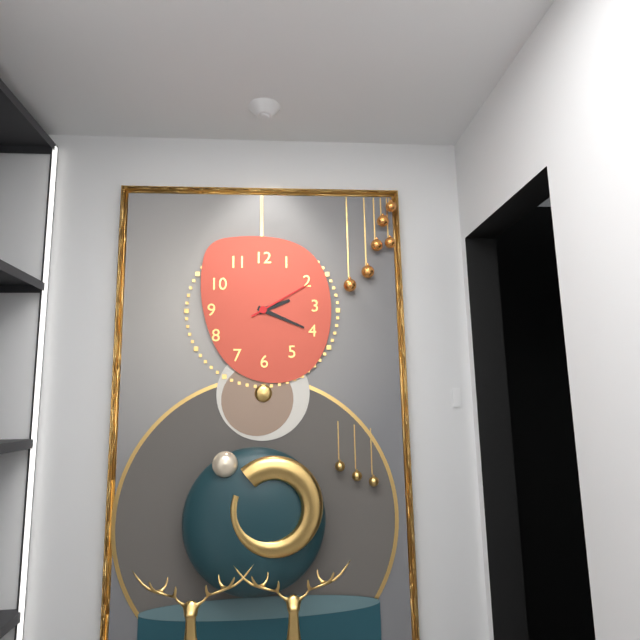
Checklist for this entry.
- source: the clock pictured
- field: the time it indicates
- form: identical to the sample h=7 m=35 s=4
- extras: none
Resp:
h=2 m=19 s=10
